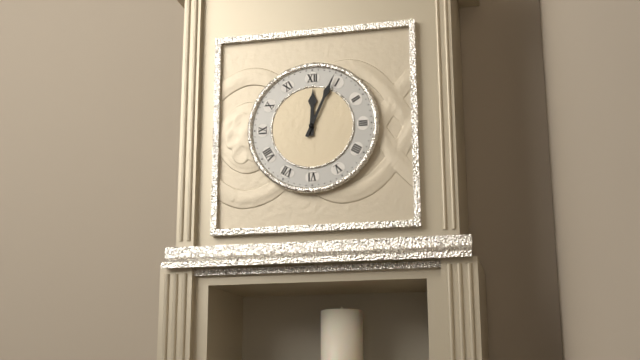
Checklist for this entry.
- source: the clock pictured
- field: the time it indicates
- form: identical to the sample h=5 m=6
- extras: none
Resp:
h=12 m=4
